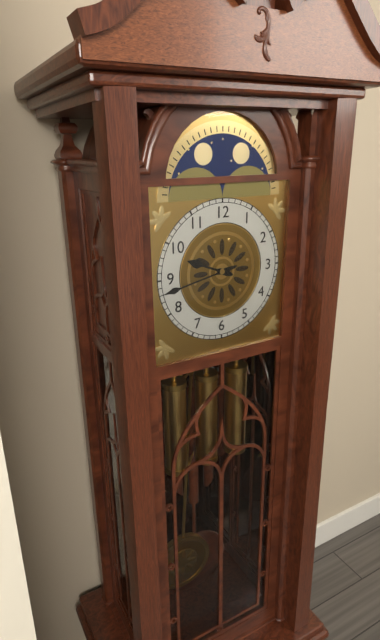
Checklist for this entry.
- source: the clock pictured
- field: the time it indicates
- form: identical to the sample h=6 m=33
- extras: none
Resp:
h=9 m=43
